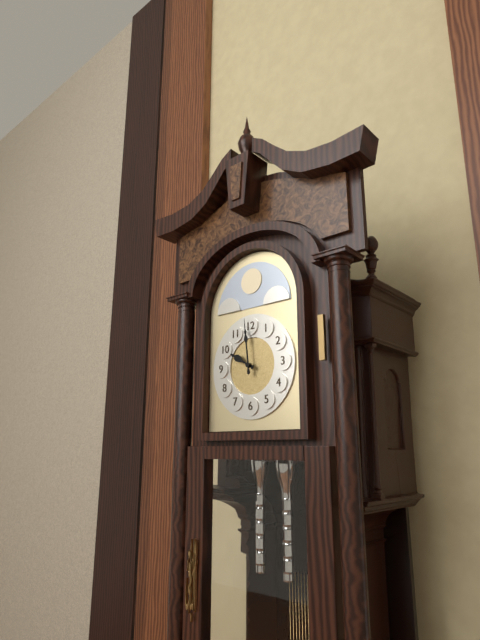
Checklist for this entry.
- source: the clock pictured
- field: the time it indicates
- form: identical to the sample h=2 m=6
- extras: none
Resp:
h=9 m=59
